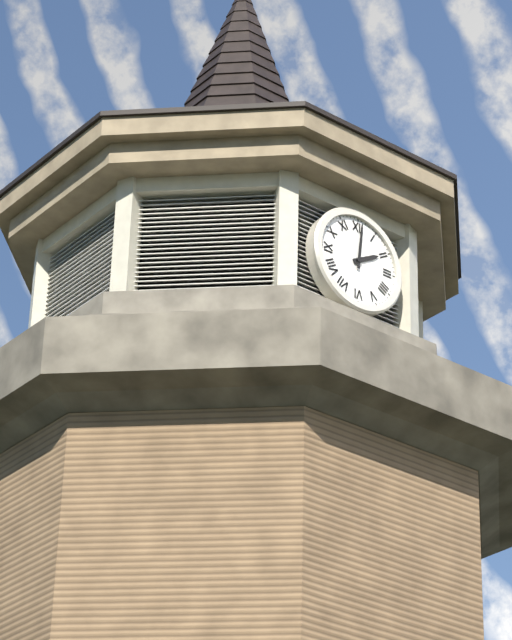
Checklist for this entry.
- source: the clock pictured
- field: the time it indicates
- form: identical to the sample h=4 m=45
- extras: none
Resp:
h=2 m=1
